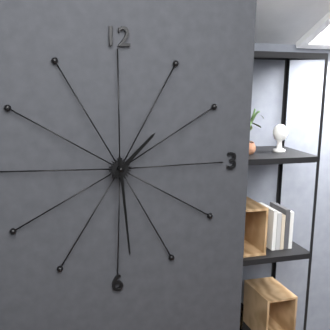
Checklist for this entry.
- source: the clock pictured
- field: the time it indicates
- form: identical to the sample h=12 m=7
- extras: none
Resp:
h=1 m=29
